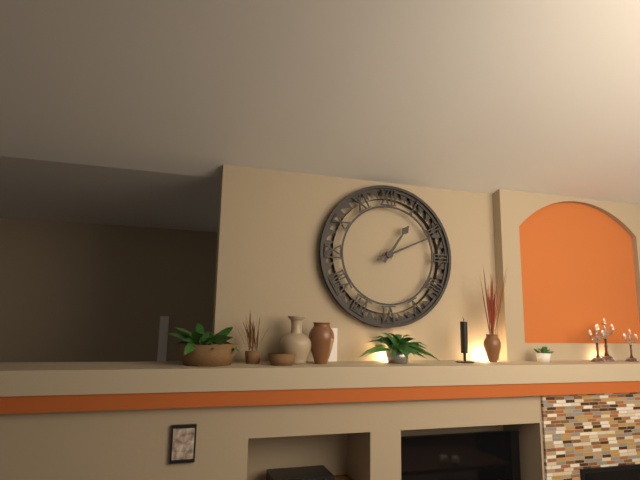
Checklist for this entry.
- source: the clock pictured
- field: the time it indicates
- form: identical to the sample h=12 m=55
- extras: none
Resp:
h=1 m=11
